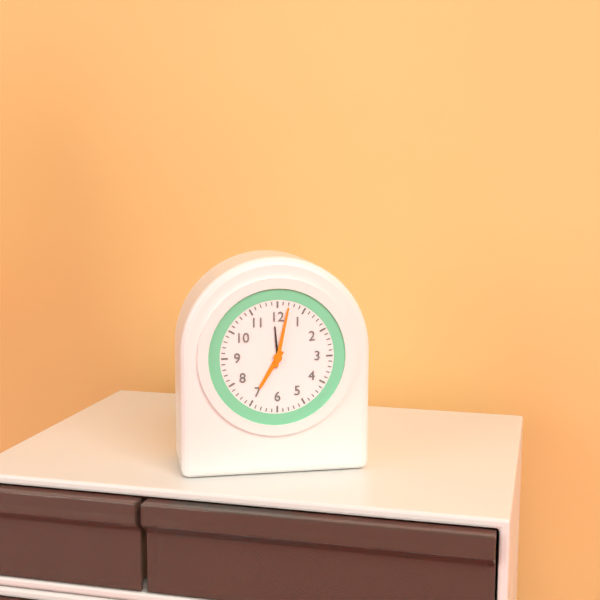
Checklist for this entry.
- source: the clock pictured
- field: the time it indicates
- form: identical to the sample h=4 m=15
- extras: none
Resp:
h=7 m=2
